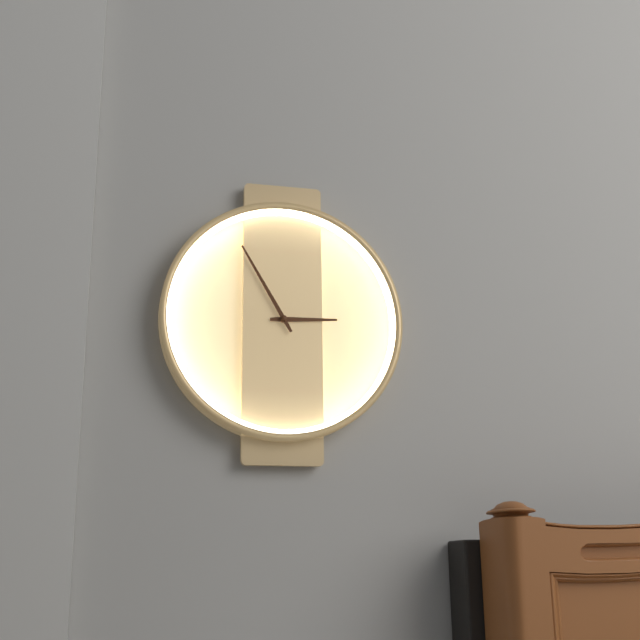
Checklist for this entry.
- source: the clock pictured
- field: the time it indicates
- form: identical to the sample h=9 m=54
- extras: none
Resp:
h=2 m=55
